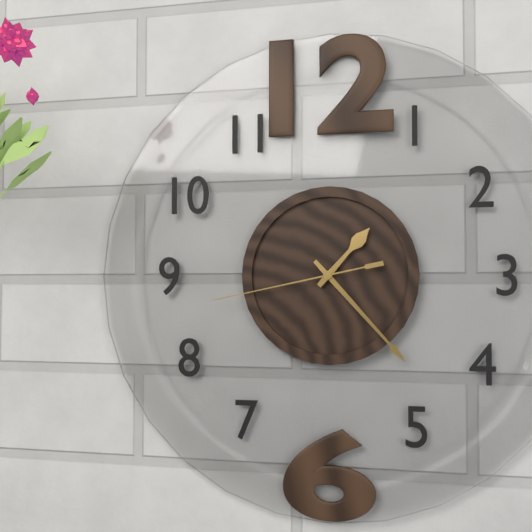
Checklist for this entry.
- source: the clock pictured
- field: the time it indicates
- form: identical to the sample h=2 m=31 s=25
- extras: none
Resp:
h=1 m=23 s=43
